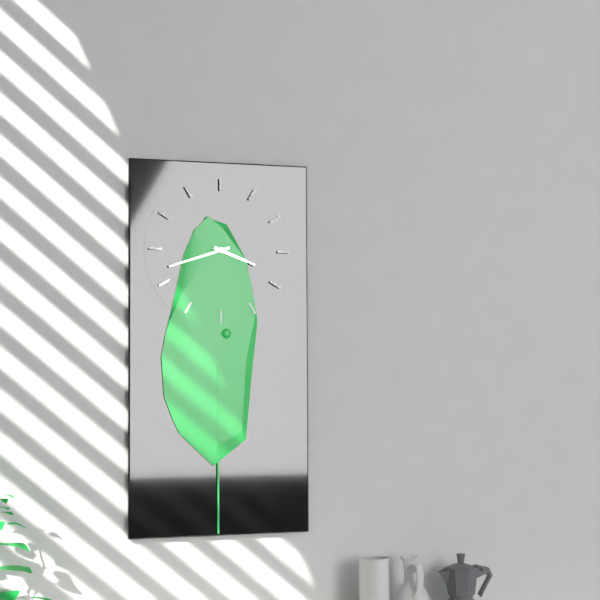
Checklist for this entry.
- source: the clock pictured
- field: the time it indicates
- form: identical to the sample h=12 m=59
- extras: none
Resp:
h=3 m=42
